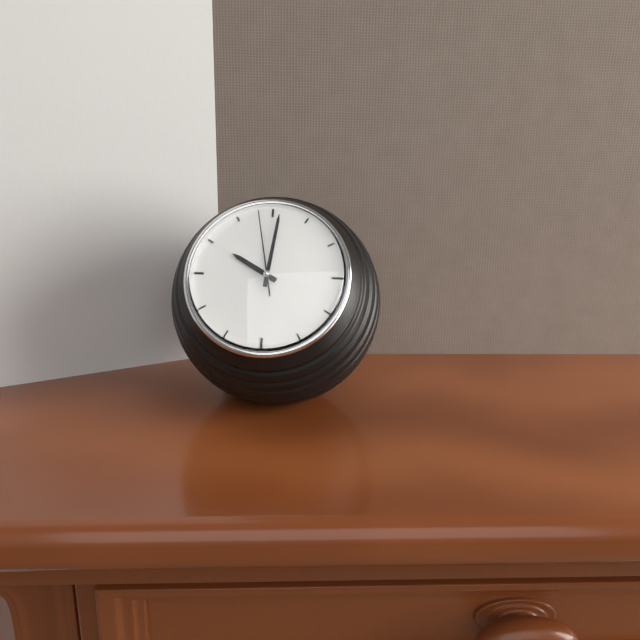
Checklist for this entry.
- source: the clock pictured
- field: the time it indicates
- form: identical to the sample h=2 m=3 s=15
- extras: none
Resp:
h=10 m=1 s=58
